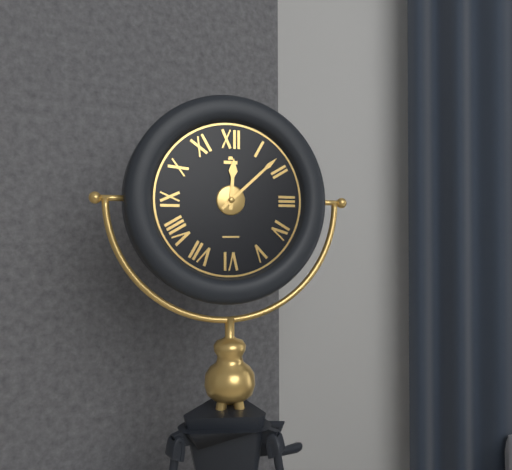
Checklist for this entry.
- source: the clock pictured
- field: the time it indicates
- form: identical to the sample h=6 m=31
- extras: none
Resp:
h=12 m=8
